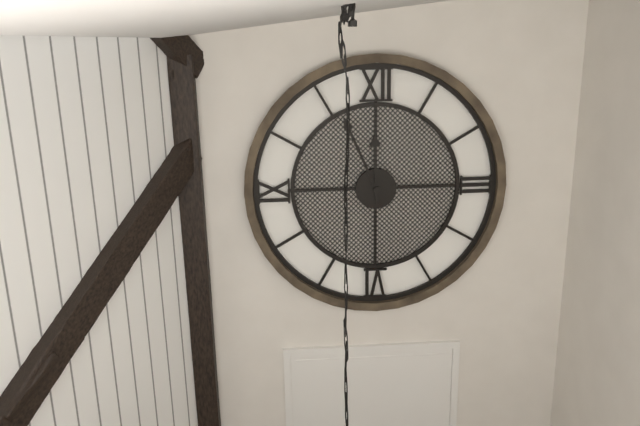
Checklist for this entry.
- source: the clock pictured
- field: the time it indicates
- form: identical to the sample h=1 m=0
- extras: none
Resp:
h=11 m=56
